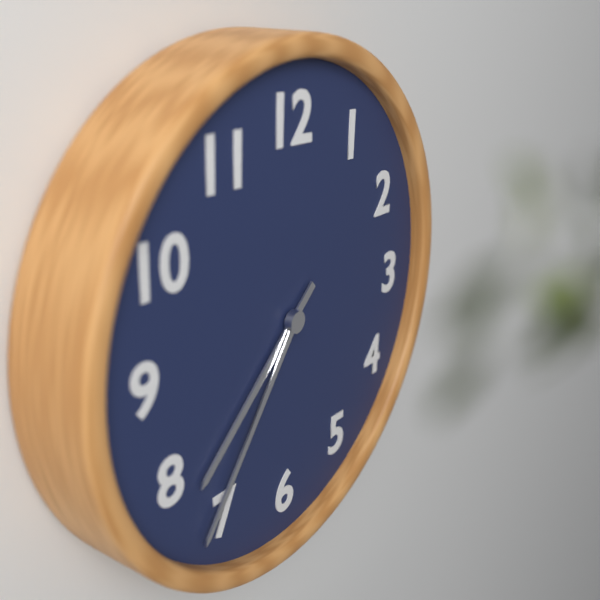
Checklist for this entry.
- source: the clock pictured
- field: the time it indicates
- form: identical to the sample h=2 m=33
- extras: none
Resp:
h=7 m=36
